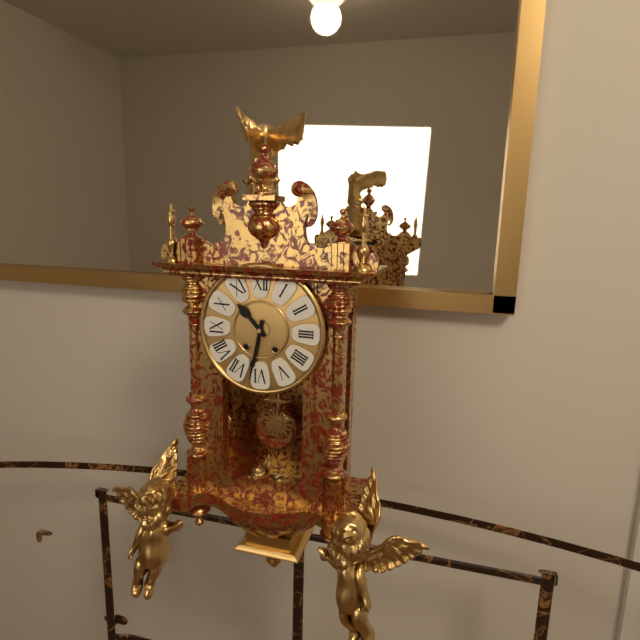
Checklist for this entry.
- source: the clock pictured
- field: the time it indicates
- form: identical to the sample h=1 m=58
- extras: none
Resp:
h=10 m=32
